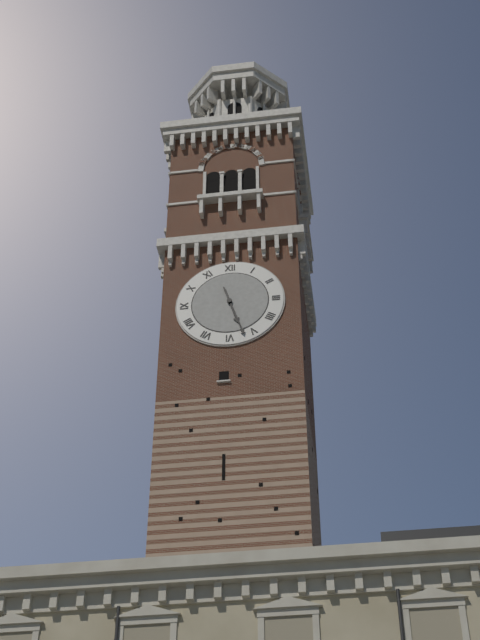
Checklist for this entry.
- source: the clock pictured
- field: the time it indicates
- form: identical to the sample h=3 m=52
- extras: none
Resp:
h=5 m=27
